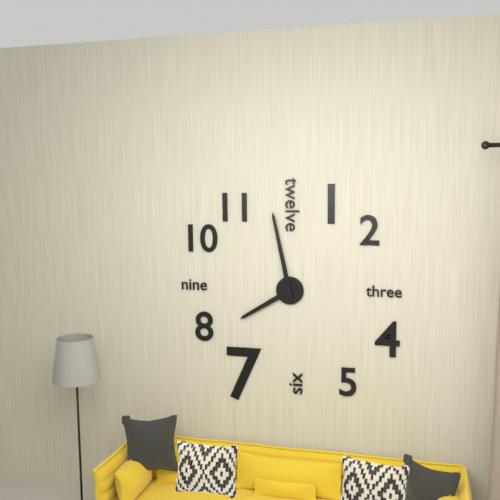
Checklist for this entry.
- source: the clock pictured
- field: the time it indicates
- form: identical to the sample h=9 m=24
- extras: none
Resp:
h=7 m=58
